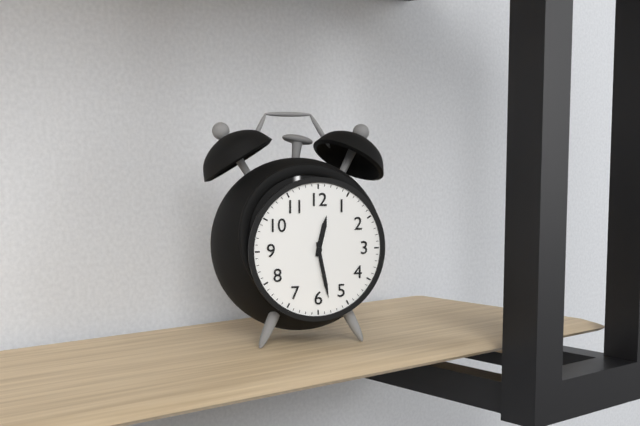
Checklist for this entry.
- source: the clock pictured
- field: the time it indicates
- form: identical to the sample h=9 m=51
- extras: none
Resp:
h=12 m=28
